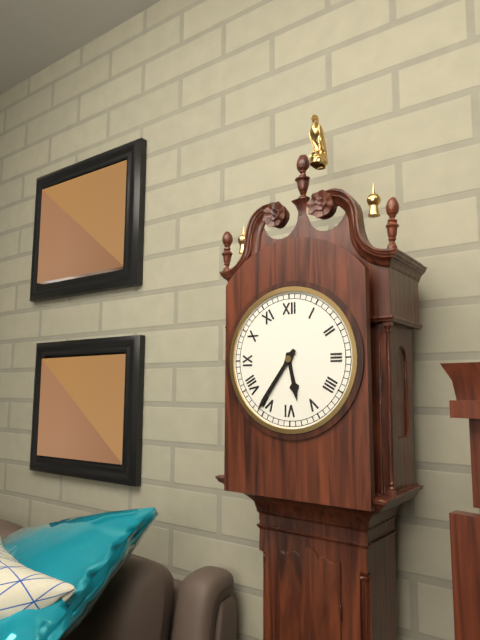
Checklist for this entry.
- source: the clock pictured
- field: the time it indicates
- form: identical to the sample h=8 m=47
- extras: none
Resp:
h=5 m=36
